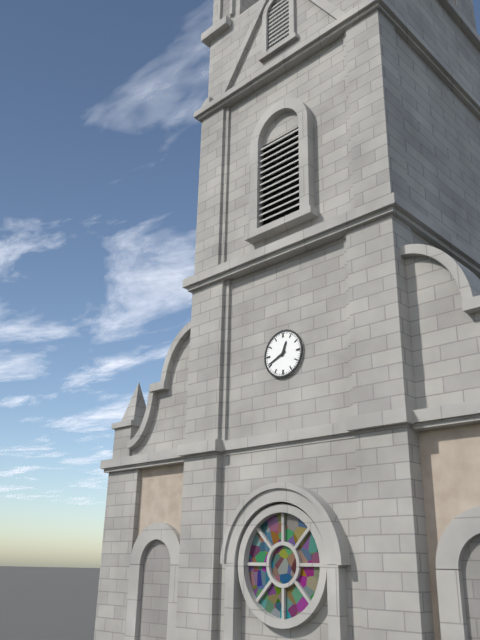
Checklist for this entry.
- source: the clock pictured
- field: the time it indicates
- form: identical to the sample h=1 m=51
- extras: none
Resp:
h=12 m=41
